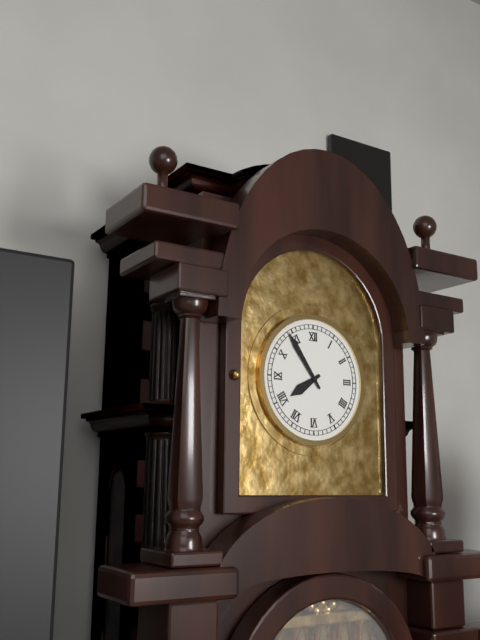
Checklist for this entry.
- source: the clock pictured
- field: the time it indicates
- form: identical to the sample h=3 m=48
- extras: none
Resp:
h=7 m=54
